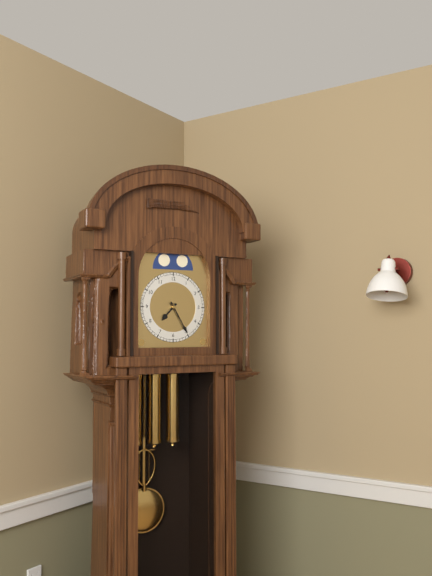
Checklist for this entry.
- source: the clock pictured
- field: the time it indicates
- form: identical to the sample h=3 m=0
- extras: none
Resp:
h=7 m=25
